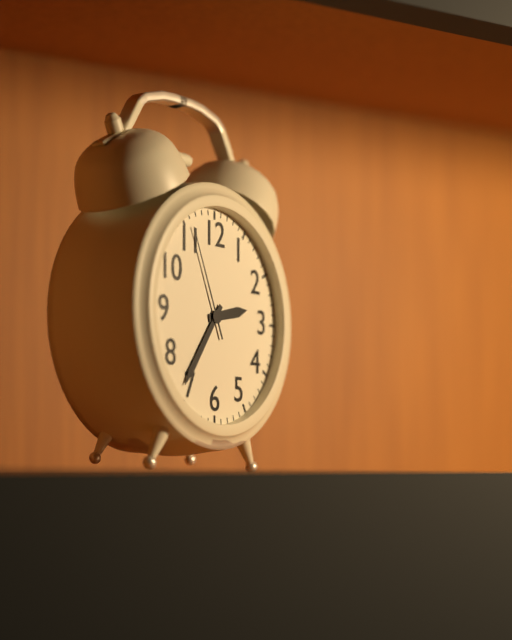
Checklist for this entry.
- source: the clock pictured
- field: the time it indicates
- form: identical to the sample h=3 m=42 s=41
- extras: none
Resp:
h=2 m=36 s=56
